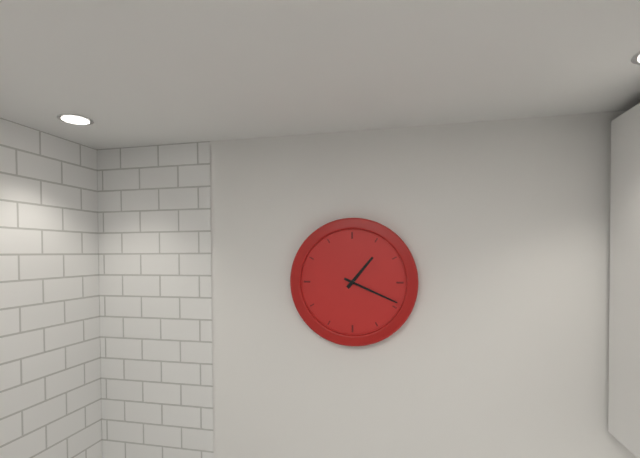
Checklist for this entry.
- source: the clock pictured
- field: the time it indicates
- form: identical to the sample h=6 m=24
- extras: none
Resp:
h=1 m=19
